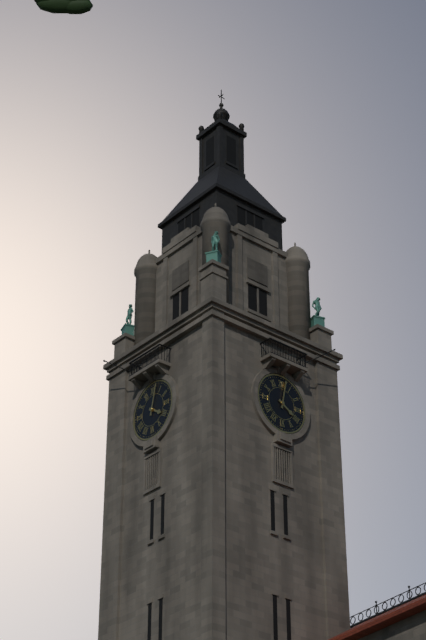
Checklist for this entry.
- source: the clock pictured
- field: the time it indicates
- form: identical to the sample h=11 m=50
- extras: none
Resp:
h=4 m=2
